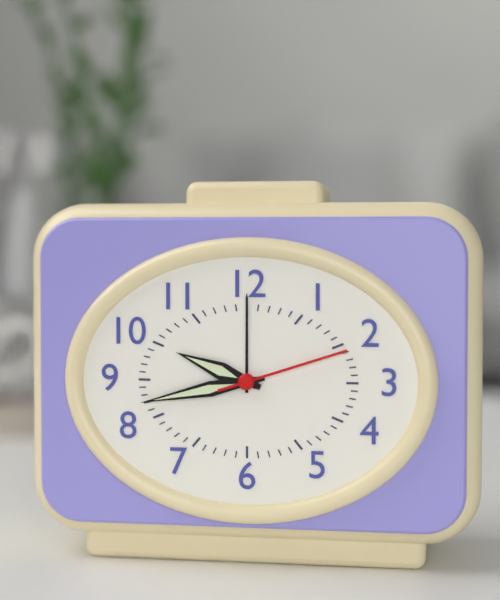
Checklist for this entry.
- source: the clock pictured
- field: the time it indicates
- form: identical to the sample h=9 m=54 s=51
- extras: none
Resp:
h=9 m=43 s=12
